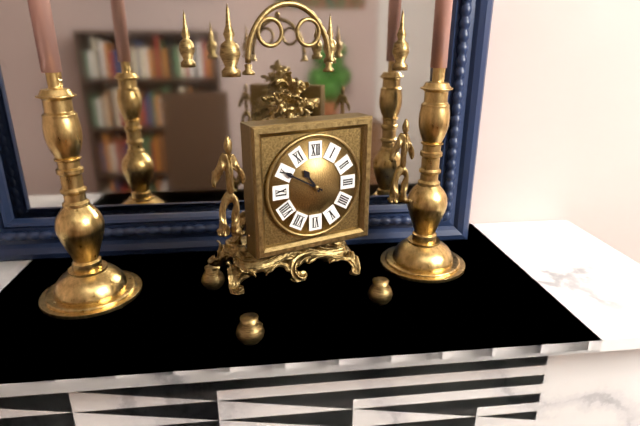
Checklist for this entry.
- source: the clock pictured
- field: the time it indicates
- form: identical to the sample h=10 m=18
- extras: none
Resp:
h=10 m=50
